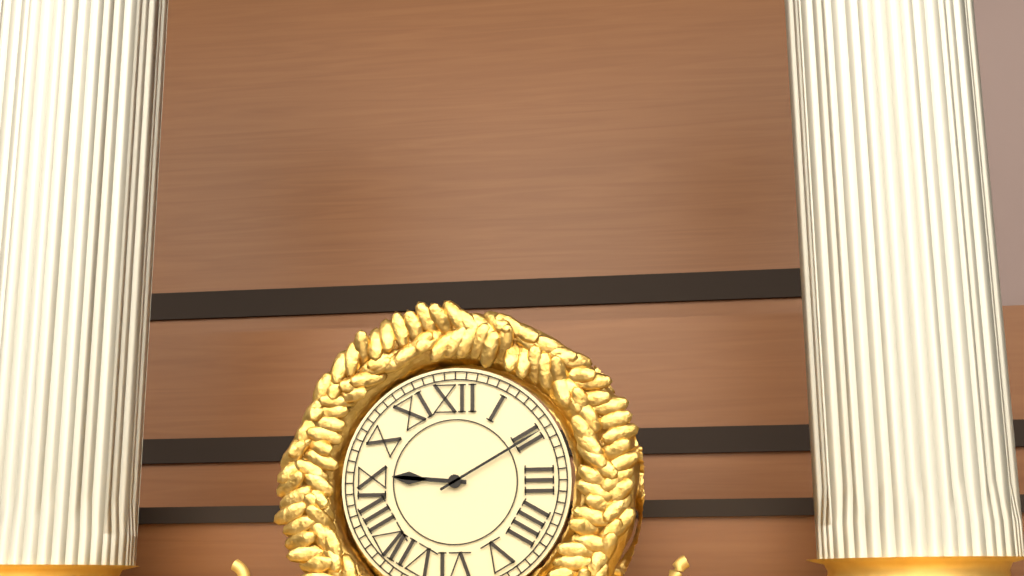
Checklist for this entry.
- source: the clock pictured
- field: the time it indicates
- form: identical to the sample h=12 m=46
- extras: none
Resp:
h=9 m=10
